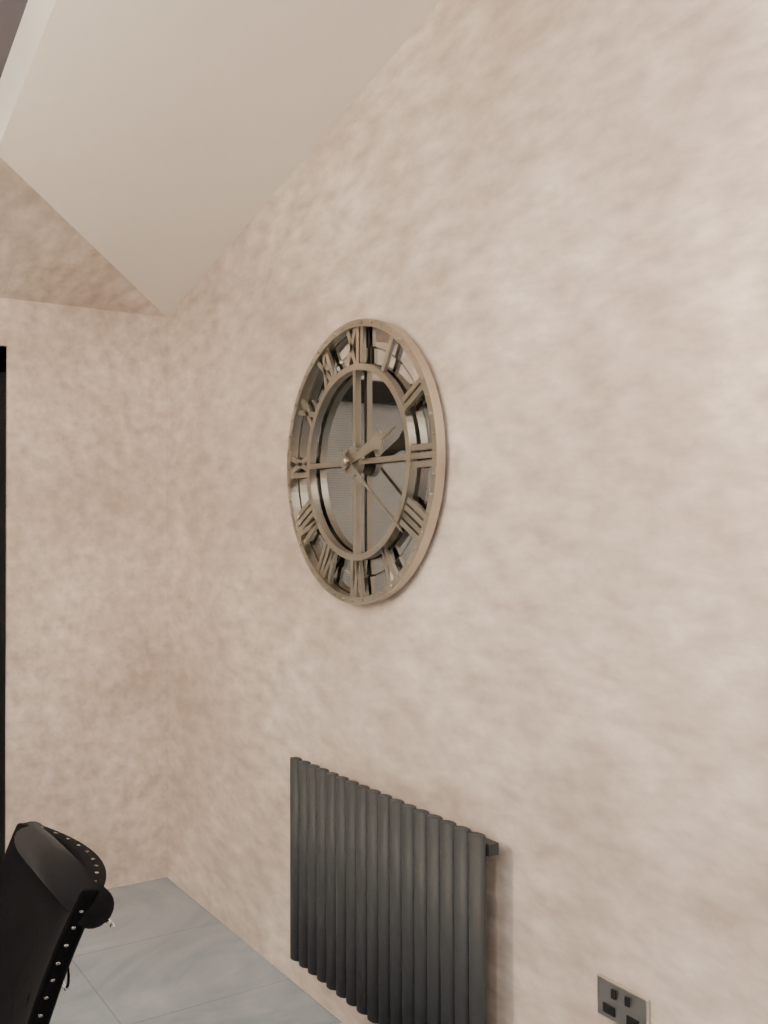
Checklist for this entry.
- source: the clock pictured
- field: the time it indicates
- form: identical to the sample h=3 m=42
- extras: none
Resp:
h=2 m=21
